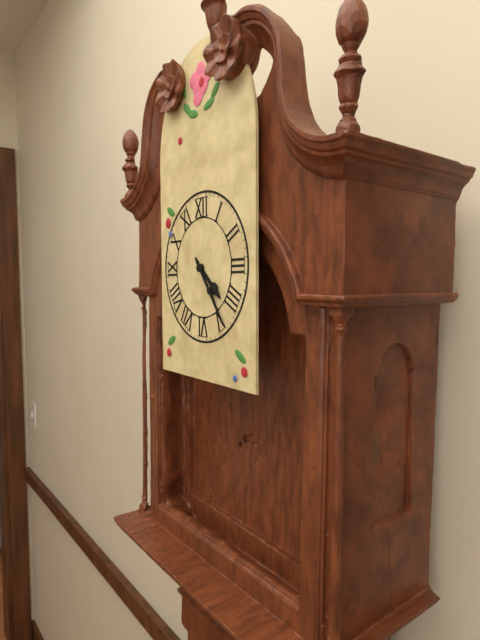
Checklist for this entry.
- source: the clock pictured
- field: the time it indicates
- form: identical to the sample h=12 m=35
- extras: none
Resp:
h=4 m=24
